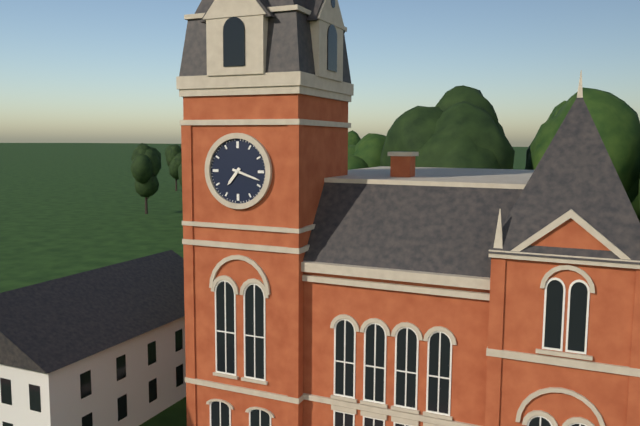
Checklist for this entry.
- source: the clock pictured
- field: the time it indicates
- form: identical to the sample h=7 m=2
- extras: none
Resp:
h=7 m=18
